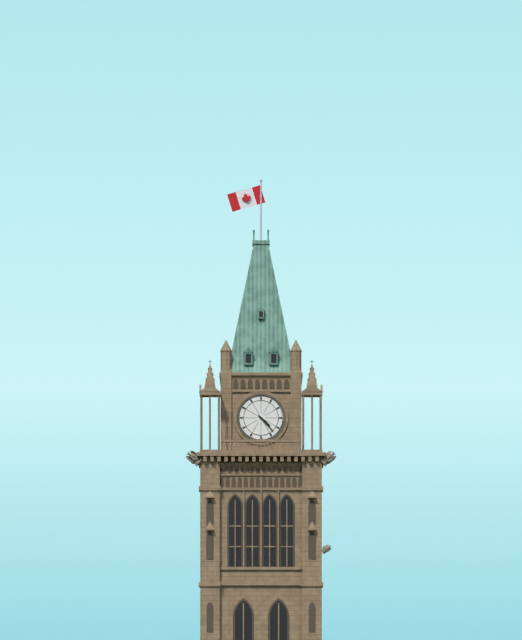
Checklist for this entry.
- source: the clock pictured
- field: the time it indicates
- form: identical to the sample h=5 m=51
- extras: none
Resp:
h=4 m=23
